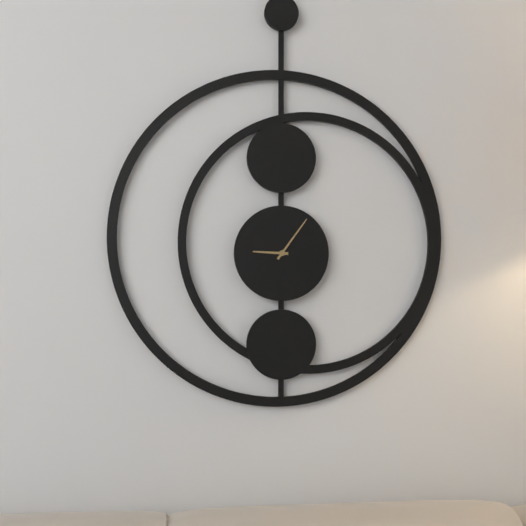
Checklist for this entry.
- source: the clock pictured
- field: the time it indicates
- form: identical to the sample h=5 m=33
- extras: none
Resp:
h=9 m=6
